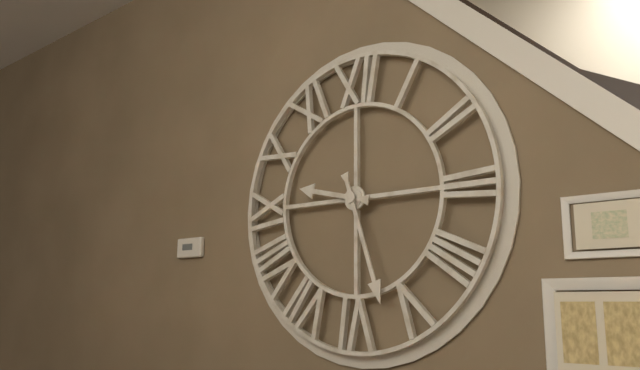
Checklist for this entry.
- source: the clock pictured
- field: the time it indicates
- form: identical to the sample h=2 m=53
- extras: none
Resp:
h=9 m=27
